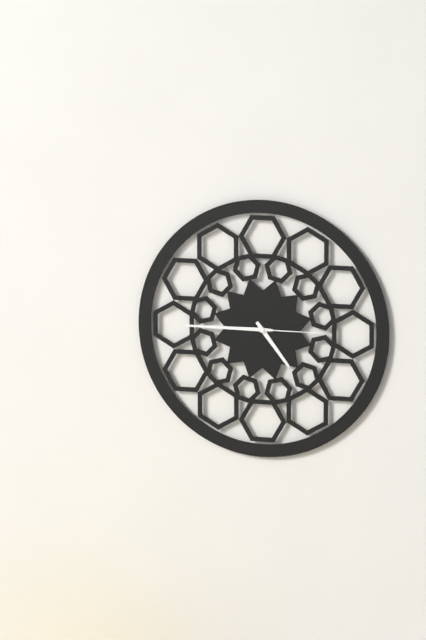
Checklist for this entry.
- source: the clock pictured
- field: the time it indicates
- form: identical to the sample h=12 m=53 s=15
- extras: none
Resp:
h=4 m=45 s=15
